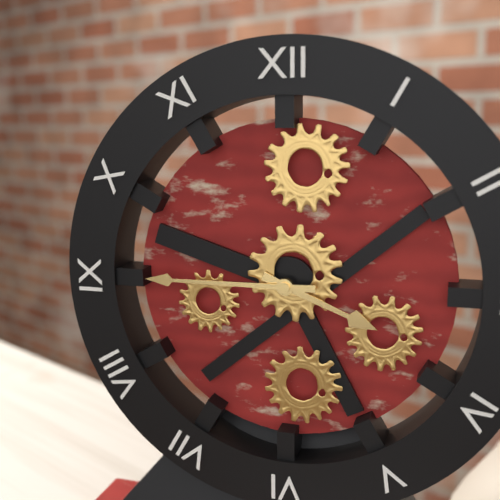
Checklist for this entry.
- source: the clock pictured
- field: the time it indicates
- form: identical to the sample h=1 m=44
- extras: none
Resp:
h=3 m=45
